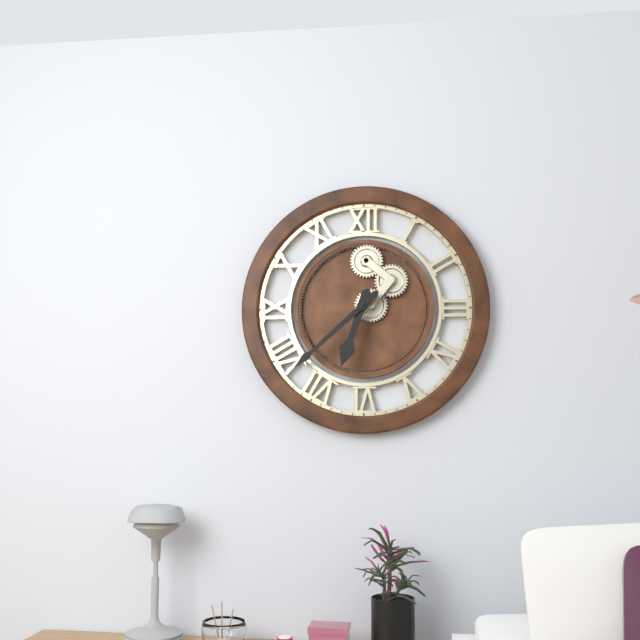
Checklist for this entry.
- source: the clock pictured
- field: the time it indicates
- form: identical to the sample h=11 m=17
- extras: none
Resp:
h=6 m=38
